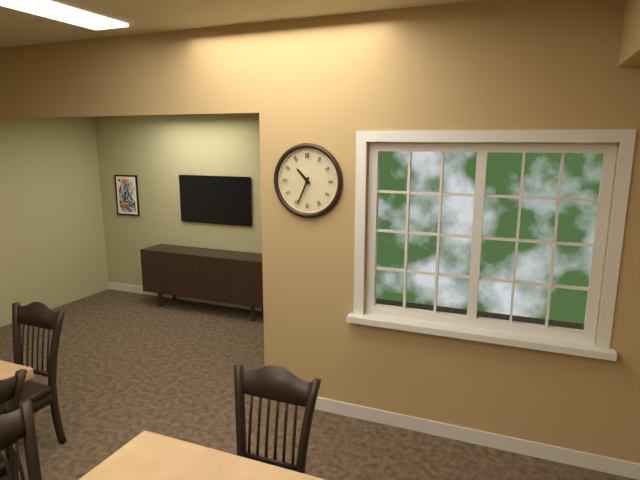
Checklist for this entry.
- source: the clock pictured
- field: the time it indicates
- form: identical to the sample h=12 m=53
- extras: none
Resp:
h=10 m=34
